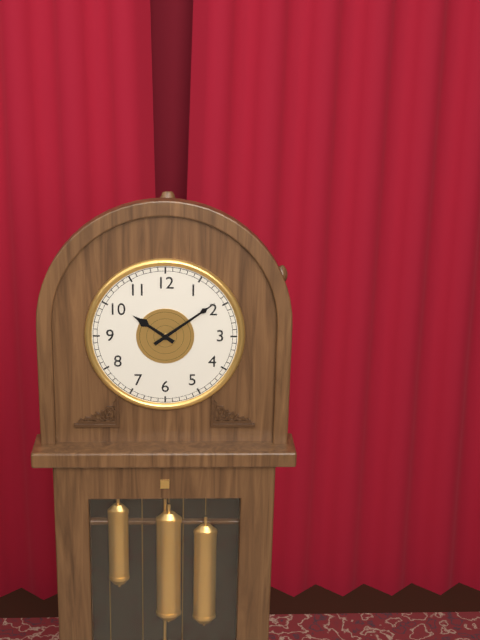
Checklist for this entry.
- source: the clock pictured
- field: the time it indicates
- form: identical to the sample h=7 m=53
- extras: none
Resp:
h=10 m=9
